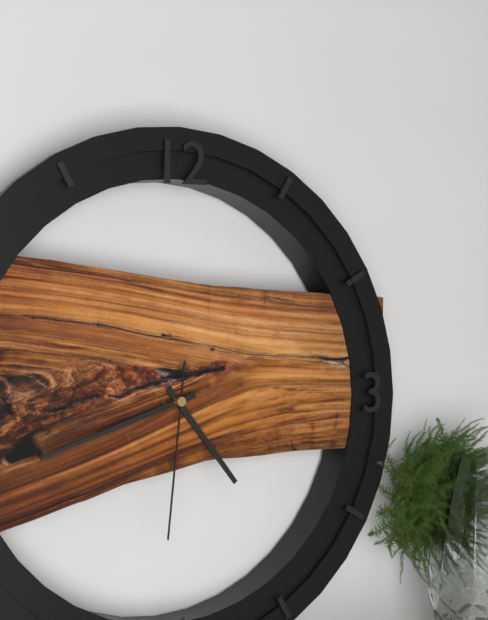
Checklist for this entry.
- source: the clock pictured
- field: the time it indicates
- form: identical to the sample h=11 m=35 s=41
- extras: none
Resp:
h=4 m=42 s=31
